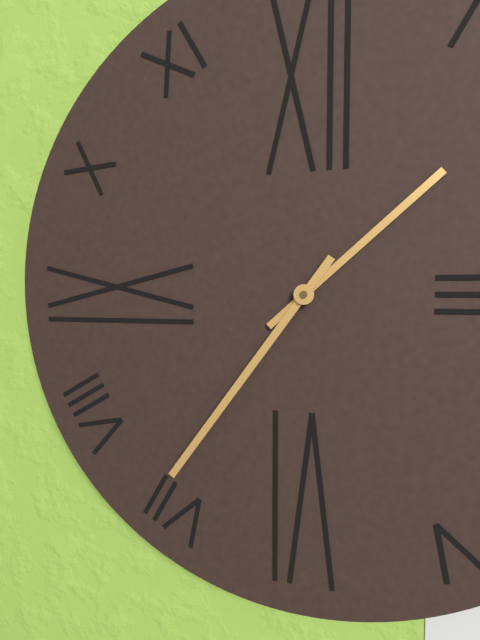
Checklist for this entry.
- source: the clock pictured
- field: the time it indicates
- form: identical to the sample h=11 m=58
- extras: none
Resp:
h=1 m=36
